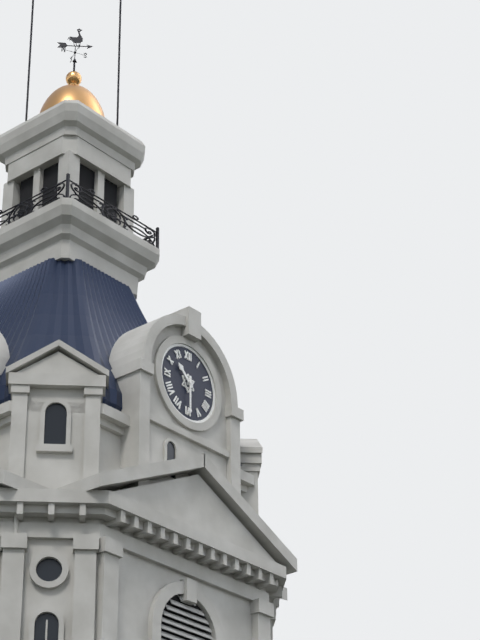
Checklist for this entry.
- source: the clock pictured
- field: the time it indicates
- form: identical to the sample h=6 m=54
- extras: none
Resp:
h=10 m=30
